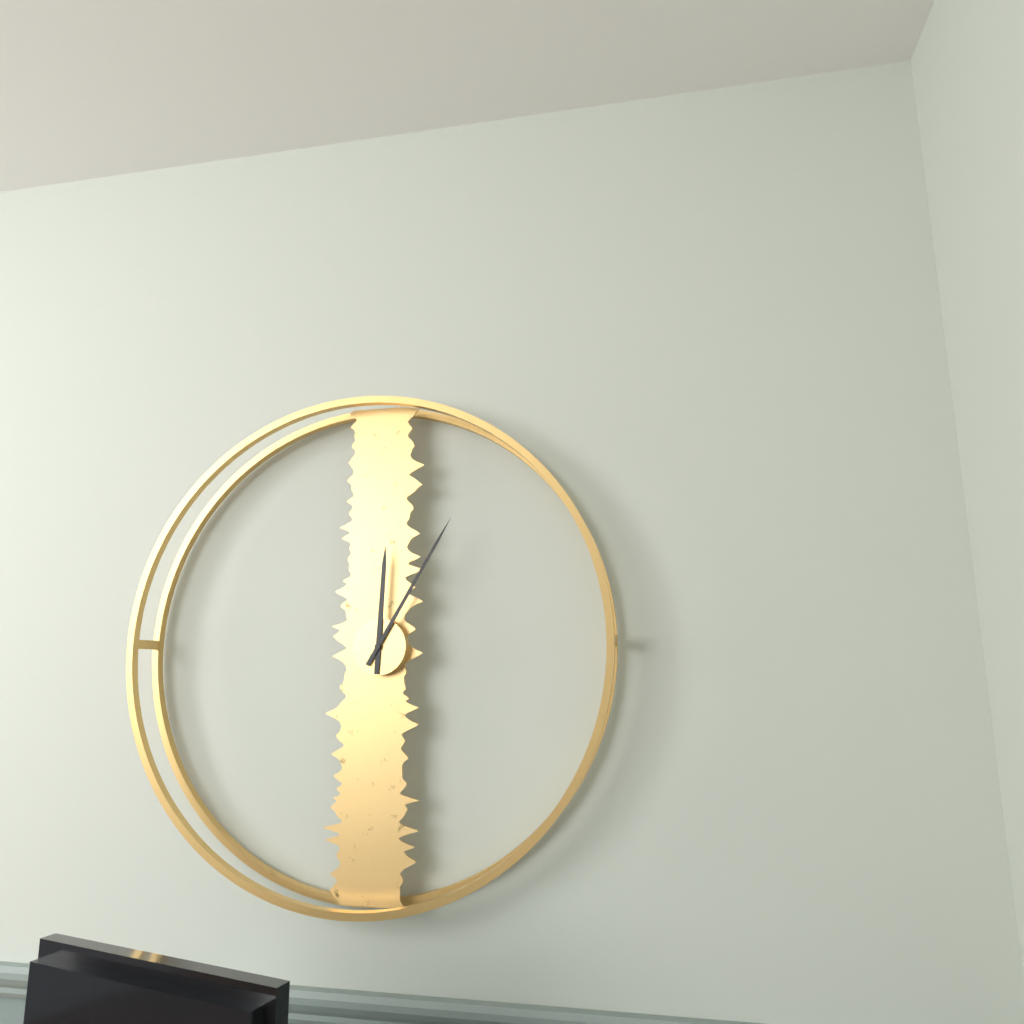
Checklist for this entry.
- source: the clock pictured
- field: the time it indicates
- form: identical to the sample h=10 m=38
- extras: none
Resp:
h=12 m=5
